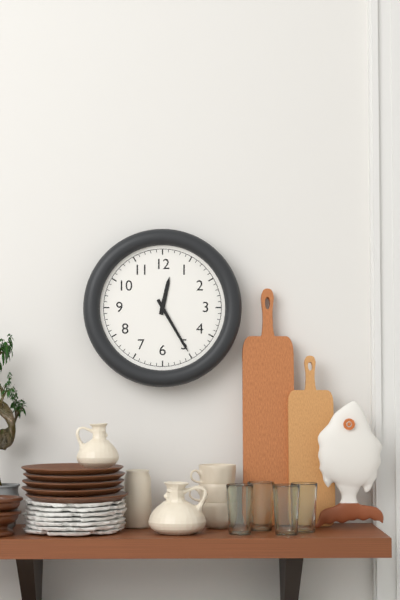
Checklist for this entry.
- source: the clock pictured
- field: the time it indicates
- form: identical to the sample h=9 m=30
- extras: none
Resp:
h=12 m=25
